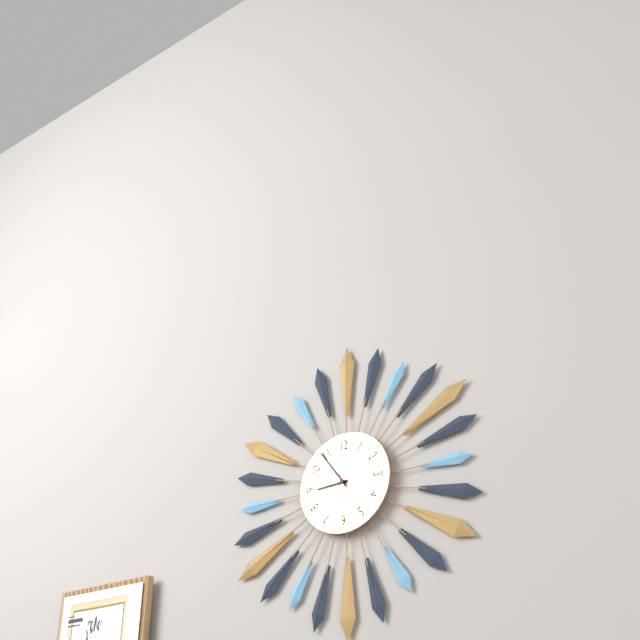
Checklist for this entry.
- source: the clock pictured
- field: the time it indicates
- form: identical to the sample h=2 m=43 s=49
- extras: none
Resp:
h=8 m=54 s=26
